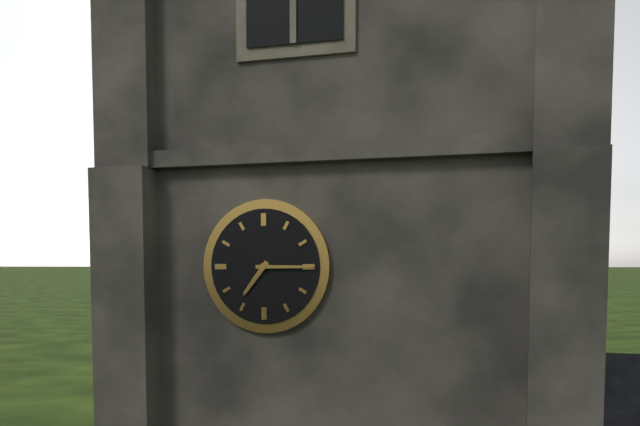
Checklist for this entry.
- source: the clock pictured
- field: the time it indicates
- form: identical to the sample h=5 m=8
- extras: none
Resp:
h=7 m=15
